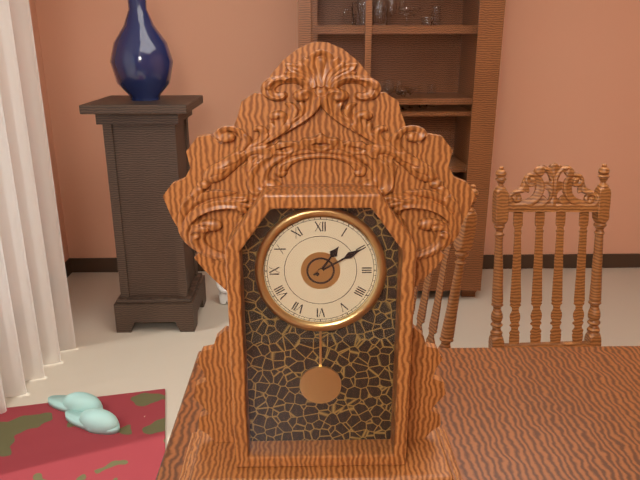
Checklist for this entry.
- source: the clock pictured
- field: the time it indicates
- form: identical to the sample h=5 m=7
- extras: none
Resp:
h=1 m=10
